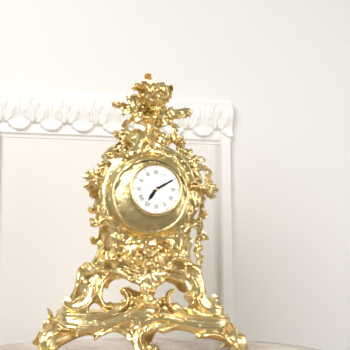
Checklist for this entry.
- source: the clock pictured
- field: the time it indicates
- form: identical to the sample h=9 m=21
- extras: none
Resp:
h=7 m=10
